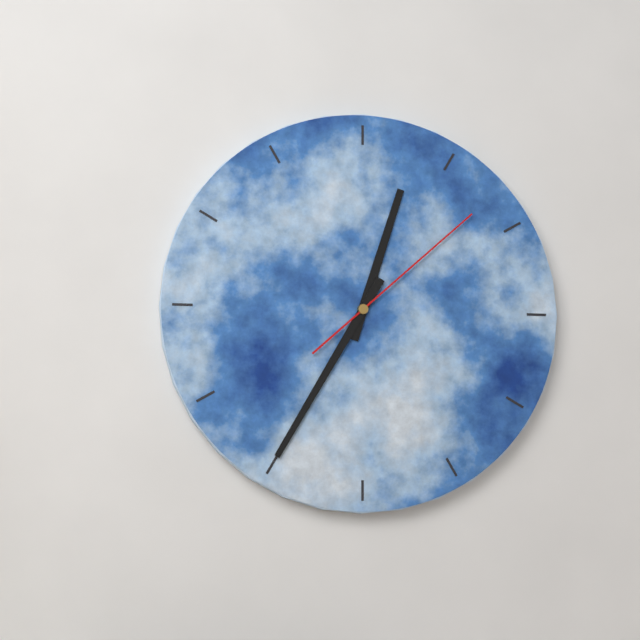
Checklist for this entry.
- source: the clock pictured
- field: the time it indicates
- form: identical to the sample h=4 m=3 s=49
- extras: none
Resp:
h=12 m=35 s=8
